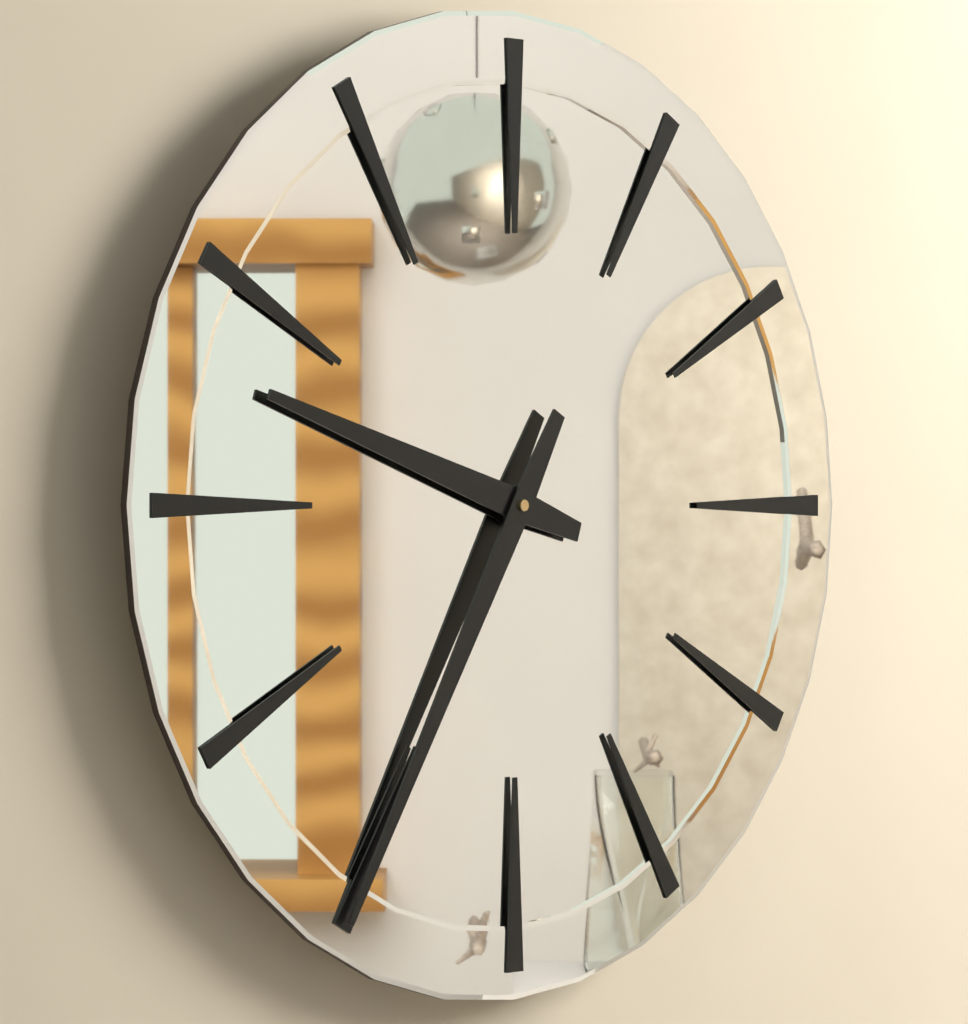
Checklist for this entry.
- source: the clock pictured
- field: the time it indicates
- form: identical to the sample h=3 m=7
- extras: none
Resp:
h=9 m=35
